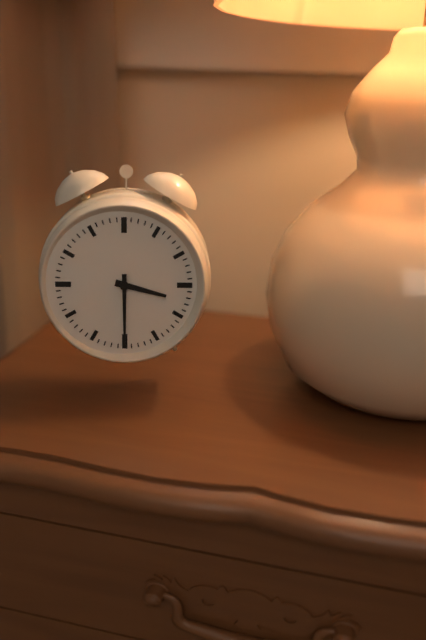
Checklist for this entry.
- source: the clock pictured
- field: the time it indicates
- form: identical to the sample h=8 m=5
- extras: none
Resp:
h=3 m=30
